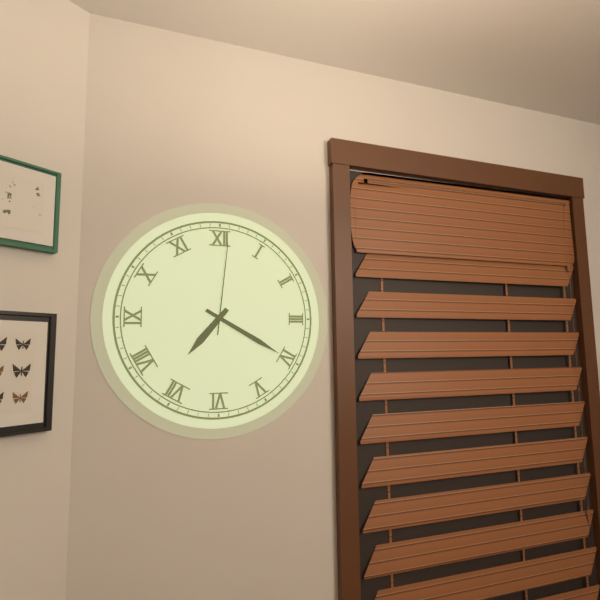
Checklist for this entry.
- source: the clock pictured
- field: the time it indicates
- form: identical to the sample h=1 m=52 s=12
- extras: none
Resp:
h=7 m=20 s=1
